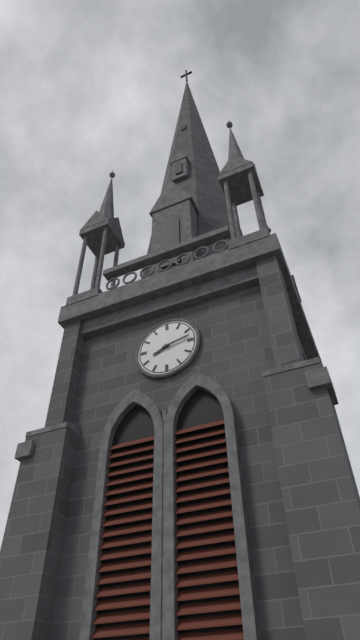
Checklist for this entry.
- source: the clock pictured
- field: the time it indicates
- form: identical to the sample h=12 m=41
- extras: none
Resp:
h=8 m=13
